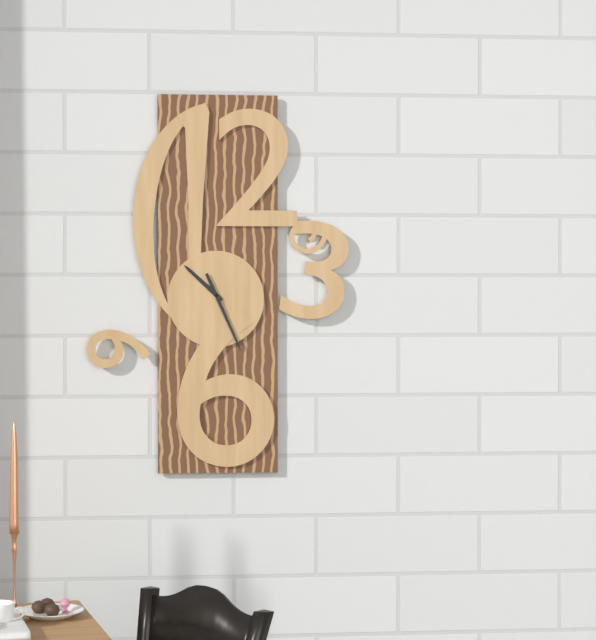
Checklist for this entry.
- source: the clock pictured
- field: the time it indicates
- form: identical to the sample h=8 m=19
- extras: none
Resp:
h=10 m=26
